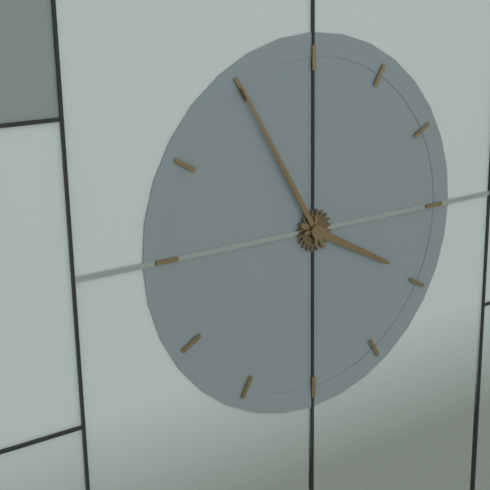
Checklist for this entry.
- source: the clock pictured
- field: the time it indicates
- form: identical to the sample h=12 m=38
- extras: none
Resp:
h=3 m=55
